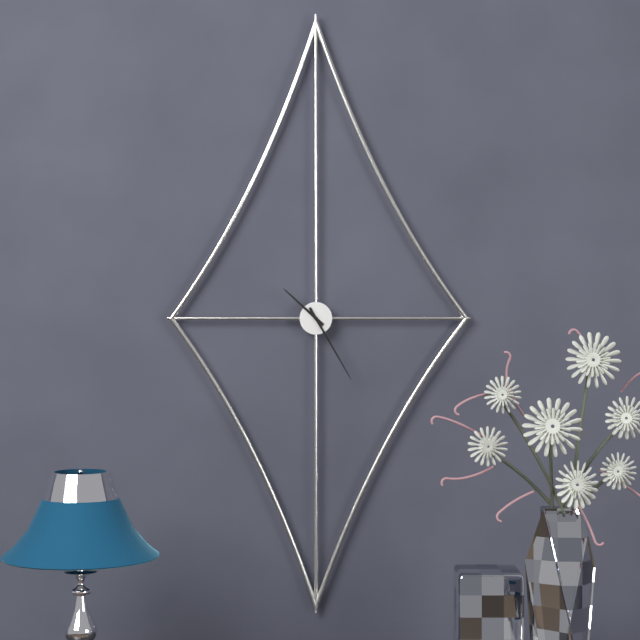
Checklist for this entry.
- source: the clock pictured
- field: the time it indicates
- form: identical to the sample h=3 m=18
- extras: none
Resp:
h=10 m=25
